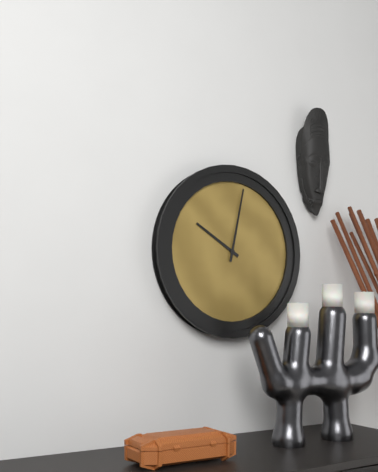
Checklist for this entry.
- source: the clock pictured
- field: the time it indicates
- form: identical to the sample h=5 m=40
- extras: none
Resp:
h=10 m=2
